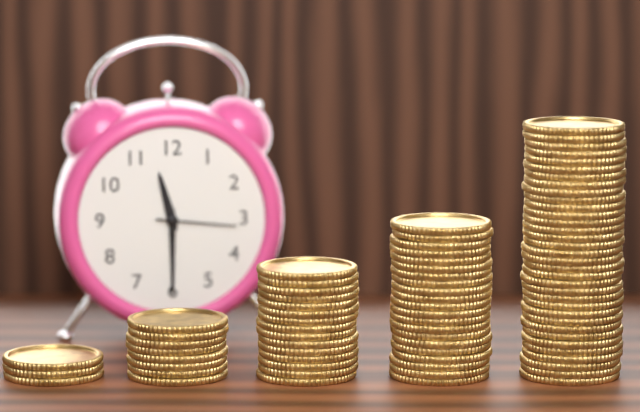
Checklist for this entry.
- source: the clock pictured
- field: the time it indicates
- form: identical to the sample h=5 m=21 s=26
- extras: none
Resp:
h=11 m=30 s=16
